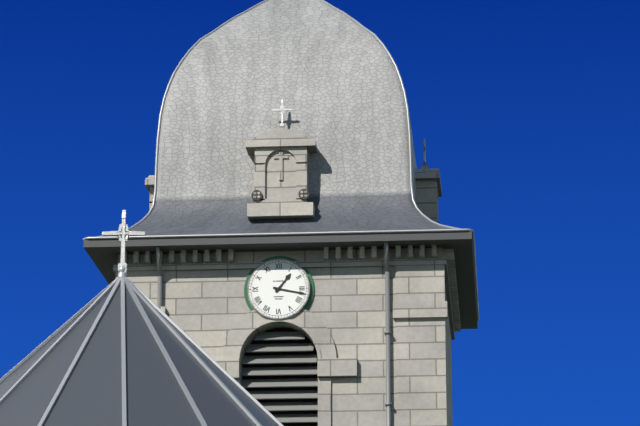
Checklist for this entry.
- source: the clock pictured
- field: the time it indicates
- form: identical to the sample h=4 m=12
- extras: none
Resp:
h=1 m=17
